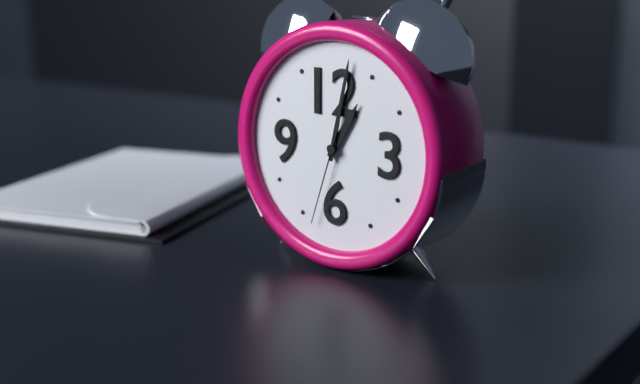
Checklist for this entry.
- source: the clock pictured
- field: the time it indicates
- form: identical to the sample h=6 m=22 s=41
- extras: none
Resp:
h=1 m=2 s=33
